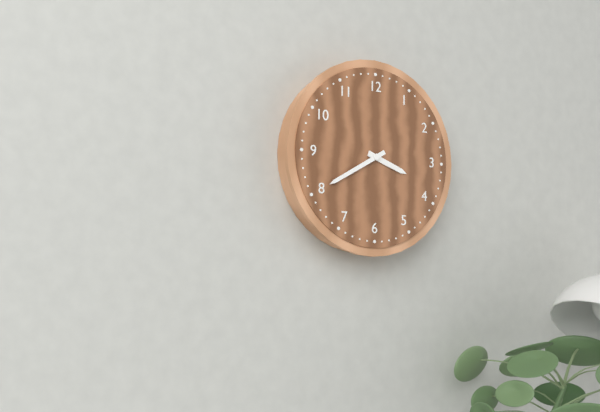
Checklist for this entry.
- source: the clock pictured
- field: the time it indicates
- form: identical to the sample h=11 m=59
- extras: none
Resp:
h=3 m=40
